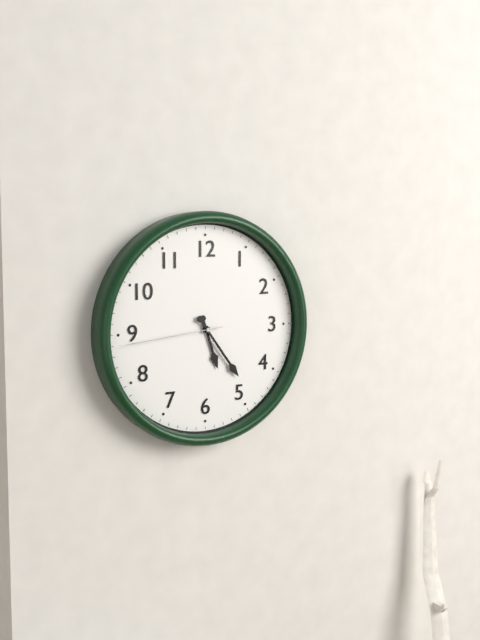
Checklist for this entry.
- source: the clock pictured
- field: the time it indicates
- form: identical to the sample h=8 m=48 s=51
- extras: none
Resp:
h=5 m=24 s=44
